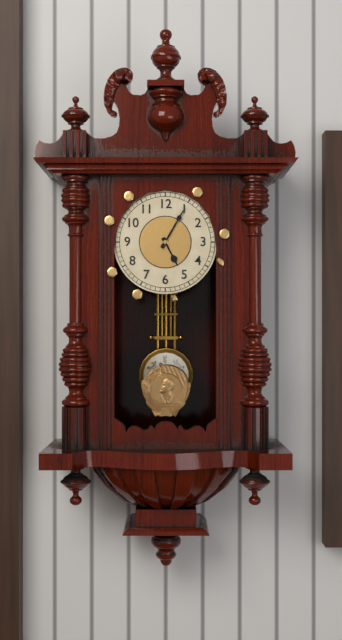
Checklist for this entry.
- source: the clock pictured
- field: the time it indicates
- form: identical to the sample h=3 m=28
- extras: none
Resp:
h=5 m=5
